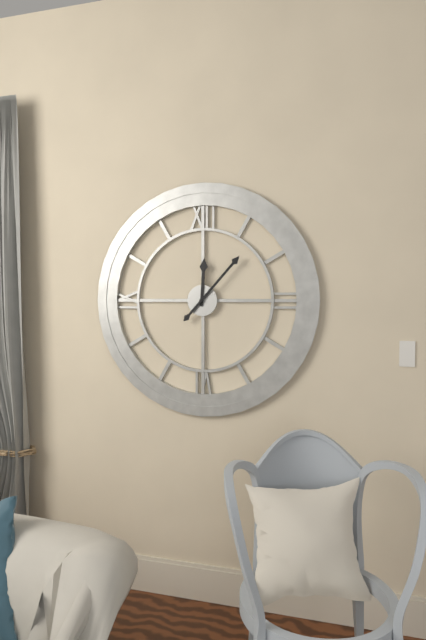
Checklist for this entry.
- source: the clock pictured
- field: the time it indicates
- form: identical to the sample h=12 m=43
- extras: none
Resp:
h=12 m=7
